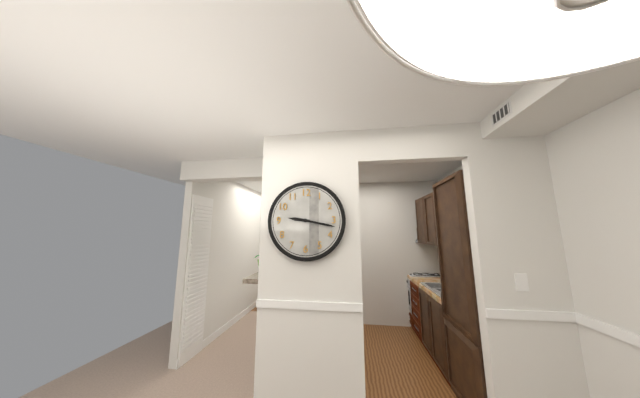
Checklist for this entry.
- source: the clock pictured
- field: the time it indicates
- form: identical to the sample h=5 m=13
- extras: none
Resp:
h=9 m=17
